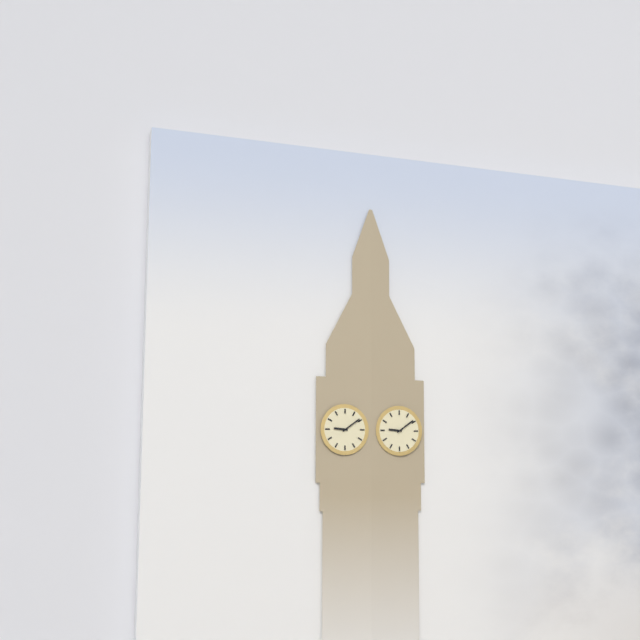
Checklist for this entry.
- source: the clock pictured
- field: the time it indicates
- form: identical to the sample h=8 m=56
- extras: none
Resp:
h=9 m=9
